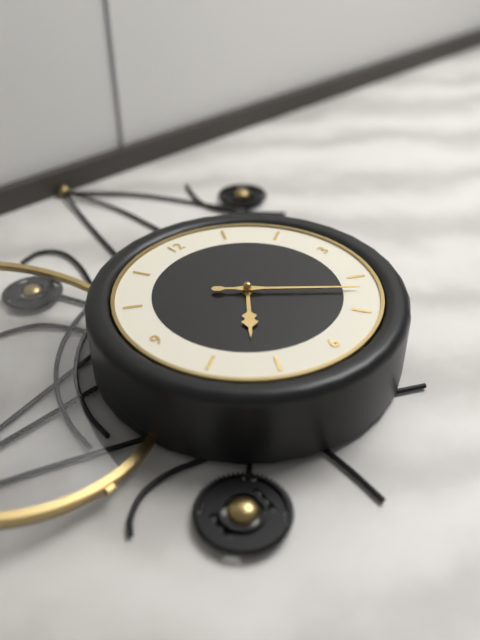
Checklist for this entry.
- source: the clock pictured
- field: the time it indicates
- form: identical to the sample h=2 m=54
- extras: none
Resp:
h=7 m=22
